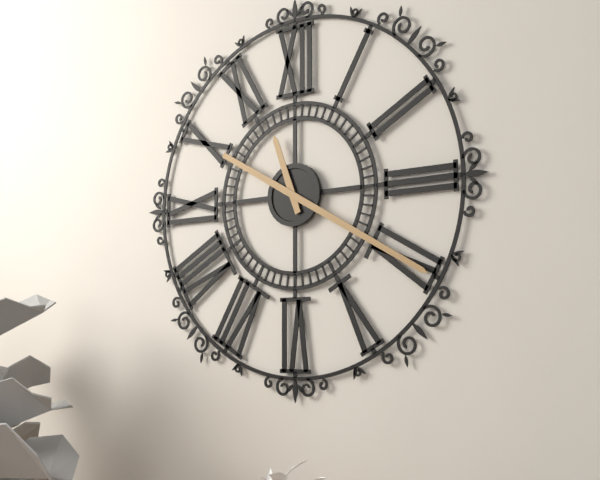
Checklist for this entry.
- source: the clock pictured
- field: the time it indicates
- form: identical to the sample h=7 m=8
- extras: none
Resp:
h=11 m=20
